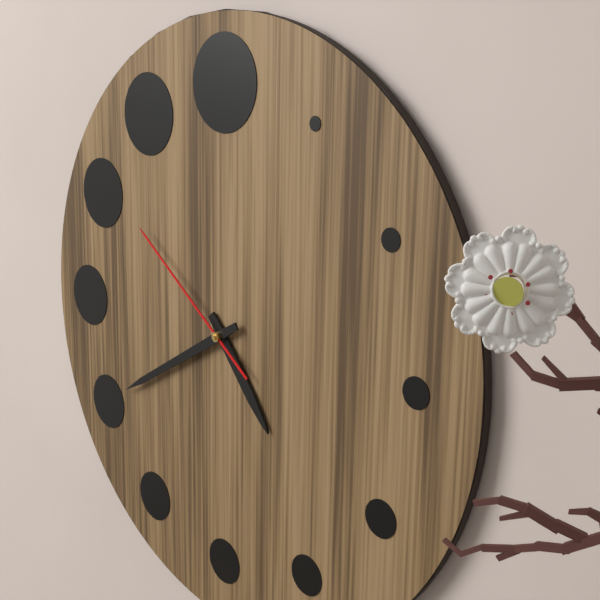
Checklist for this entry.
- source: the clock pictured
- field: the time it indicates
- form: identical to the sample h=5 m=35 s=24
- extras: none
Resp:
h=4 m=40 s=51
